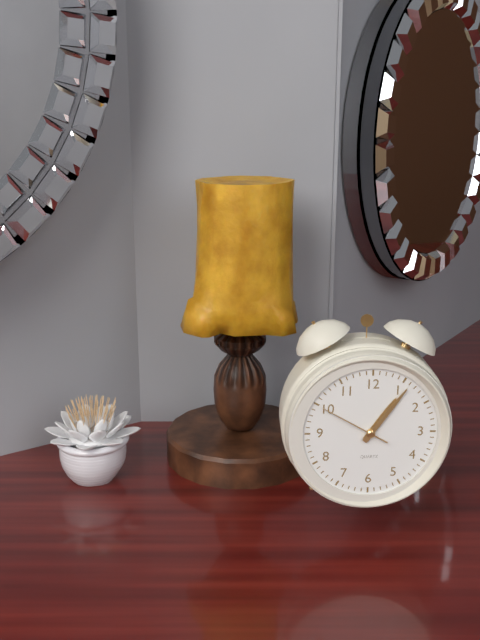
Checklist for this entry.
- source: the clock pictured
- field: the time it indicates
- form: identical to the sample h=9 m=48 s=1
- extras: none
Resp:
h=1 m=6 s=50
